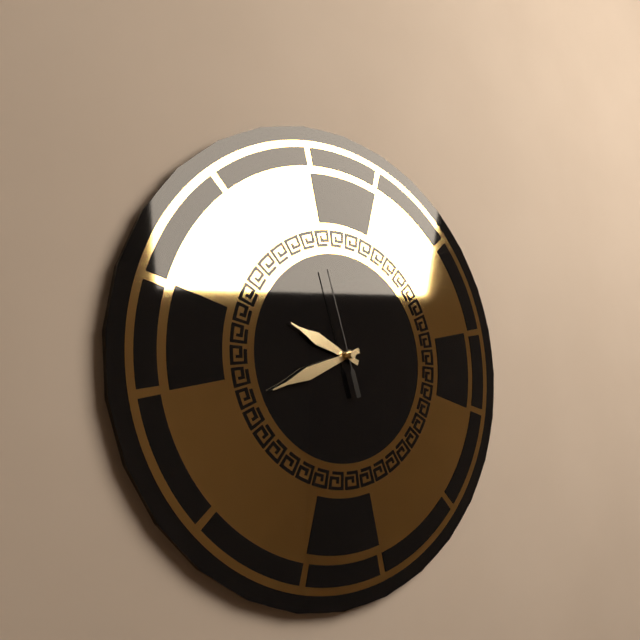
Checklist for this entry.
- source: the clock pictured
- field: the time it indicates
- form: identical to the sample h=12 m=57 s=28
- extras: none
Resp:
h=9 m=41 s=57
